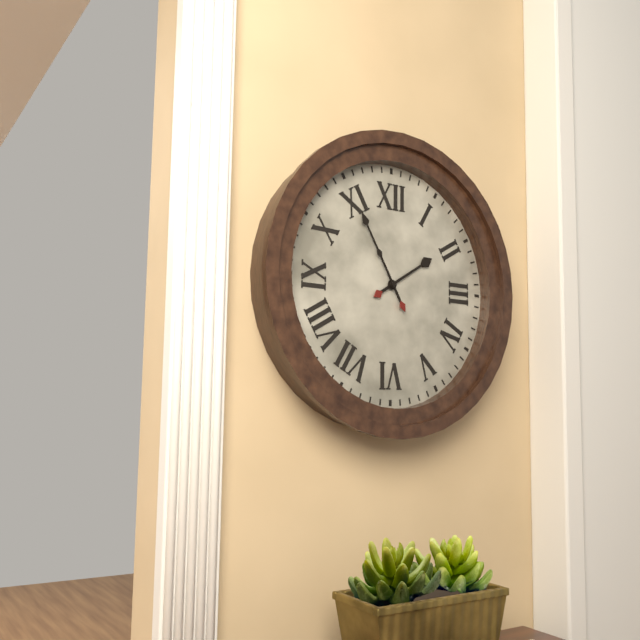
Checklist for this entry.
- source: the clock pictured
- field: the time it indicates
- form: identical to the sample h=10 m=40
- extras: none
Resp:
h=1 m=55
